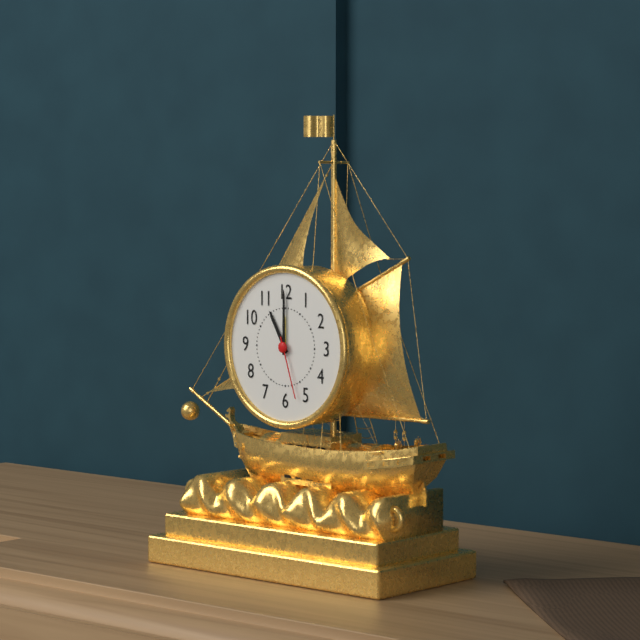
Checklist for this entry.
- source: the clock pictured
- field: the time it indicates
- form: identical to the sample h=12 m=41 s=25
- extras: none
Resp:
h=11 m=0 s=27
